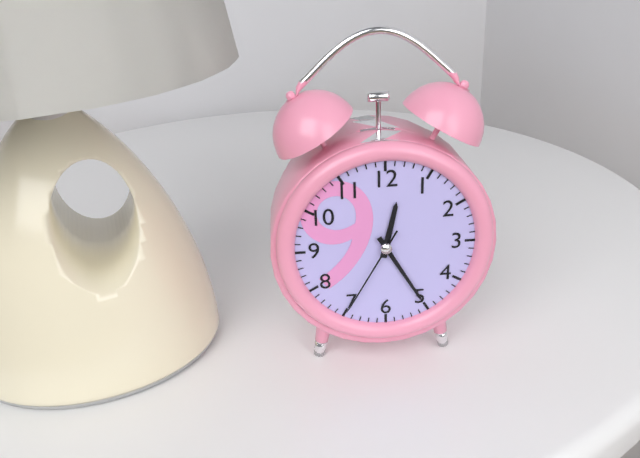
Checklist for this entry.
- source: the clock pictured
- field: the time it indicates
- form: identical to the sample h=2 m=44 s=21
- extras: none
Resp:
h=12 m=25 s=35
